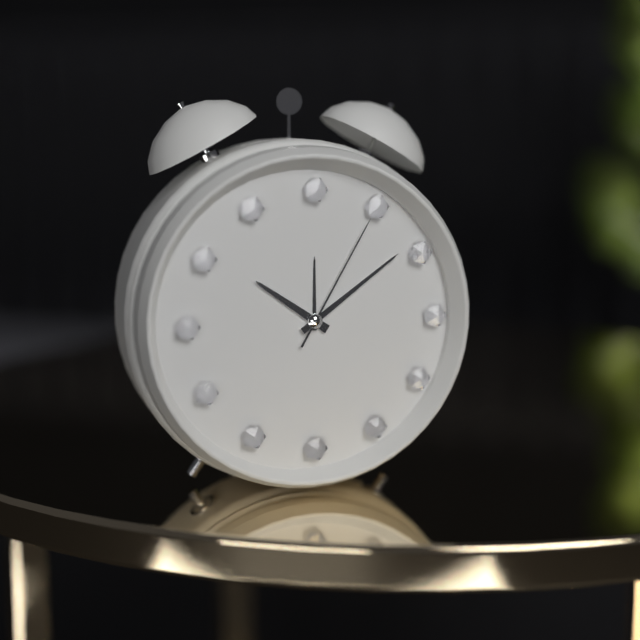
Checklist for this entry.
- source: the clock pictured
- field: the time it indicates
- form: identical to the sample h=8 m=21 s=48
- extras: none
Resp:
h=10 m=9 s=5
